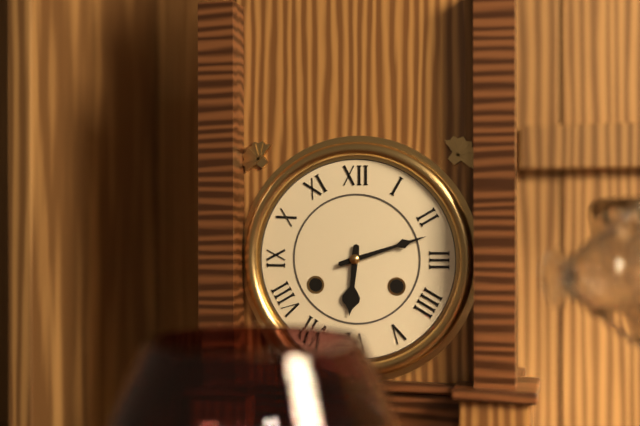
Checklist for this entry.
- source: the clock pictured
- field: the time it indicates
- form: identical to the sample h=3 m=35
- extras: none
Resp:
h=6 m=12
